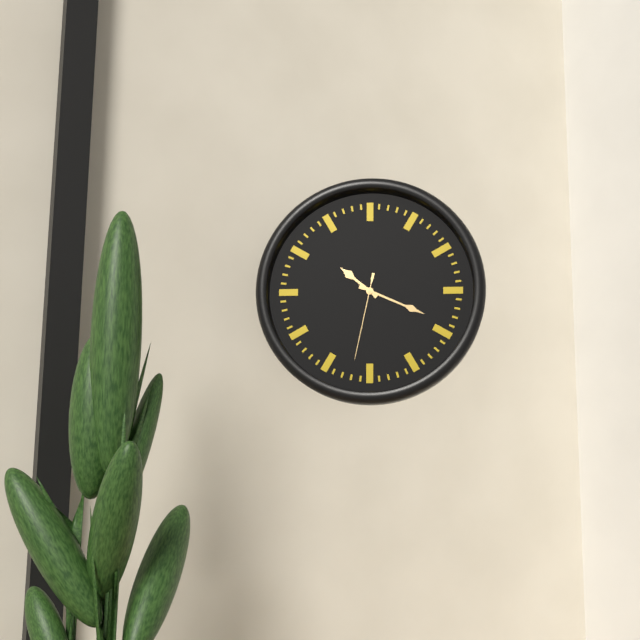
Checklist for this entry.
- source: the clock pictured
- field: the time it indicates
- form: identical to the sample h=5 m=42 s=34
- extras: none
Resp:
h=10 m=19 s=32
